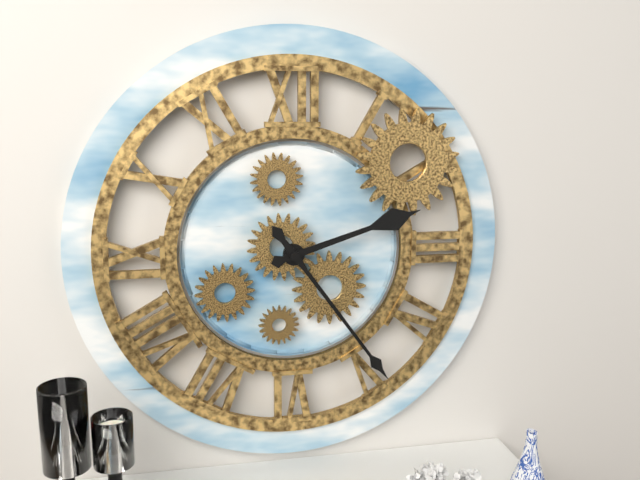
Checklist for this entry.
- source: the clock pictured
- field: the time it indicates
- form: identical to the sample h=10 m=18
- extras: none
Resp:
h=2 m=24
